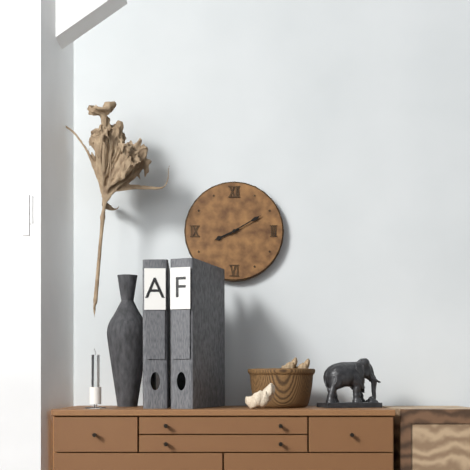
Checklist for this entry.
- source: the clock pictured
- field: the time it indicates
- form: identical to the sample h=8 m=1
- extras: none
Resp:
h=8 m=10
